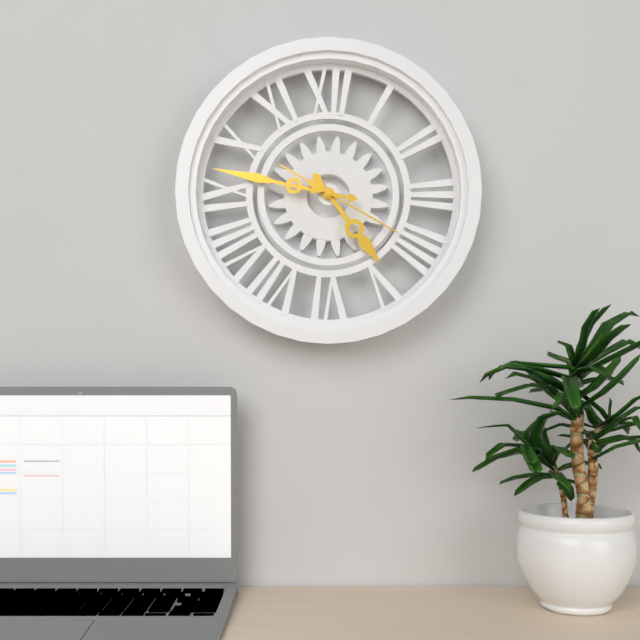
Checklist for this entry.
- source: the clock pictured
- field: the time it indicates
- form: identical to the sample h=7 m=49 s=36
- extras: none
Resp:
h=4 m=47 s=20
